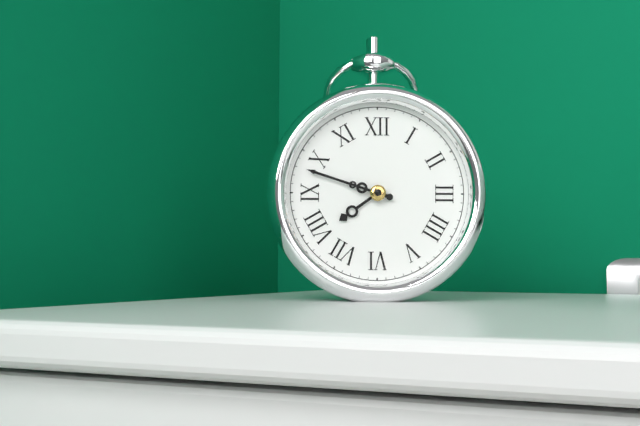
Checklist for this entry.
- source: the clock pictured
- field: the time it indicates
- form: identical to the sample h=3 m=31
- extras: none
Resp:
h=7 m=48
